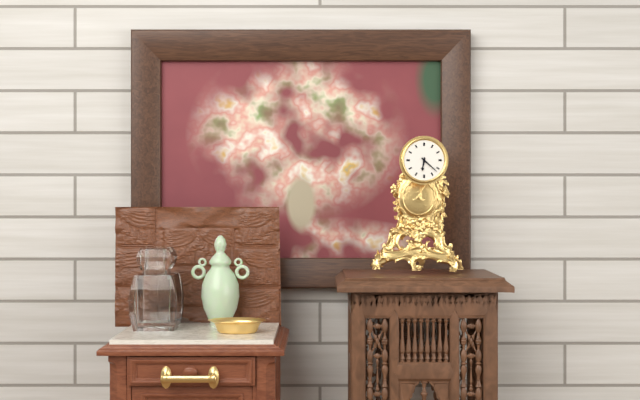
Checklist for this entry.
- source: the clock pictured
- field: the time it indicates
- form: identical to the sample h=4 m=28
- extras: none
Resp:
h=6 m=22
